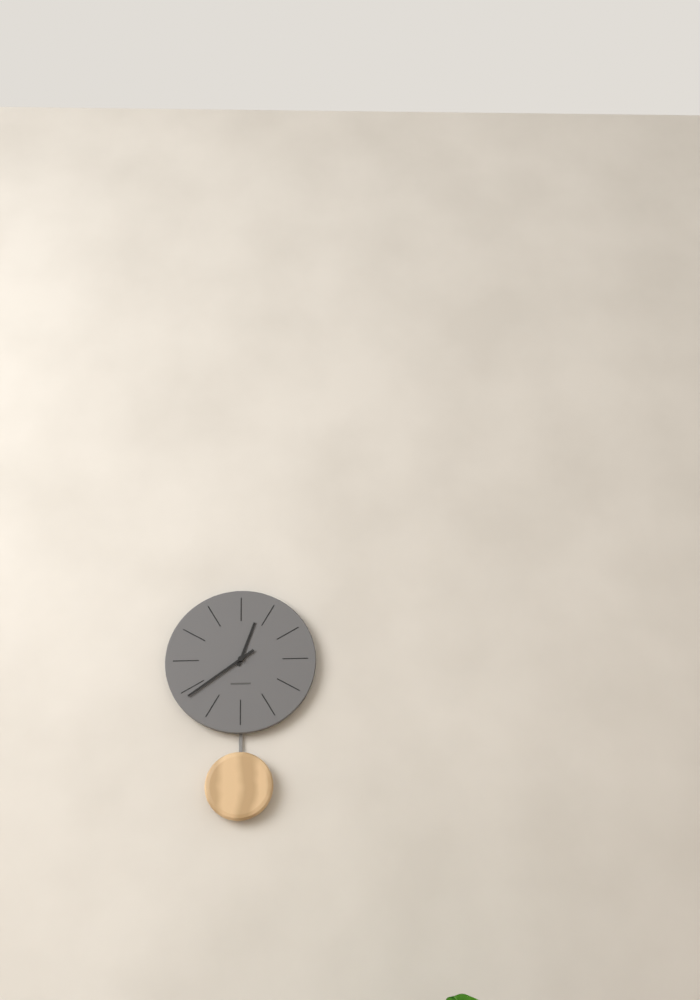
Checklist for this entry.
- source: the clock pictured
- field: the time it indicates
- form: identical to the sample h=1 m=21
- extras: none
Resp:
h=12 m=39
